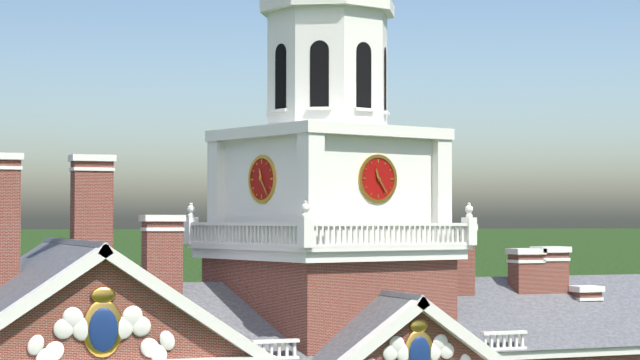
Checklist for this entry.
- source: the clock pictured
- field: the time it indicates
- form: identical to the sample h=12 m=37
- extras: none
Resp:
h=11 m=24
